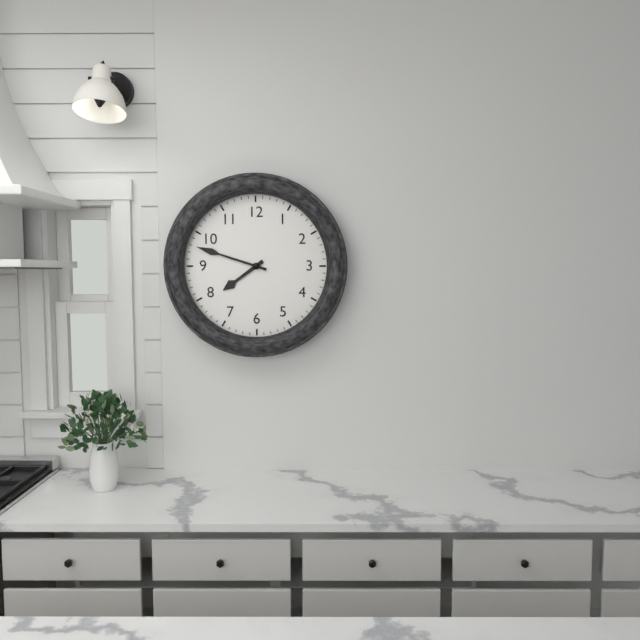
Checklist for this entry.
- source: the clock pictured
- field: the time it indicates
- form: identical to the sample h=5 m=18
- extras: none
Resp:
h=7 m=48
